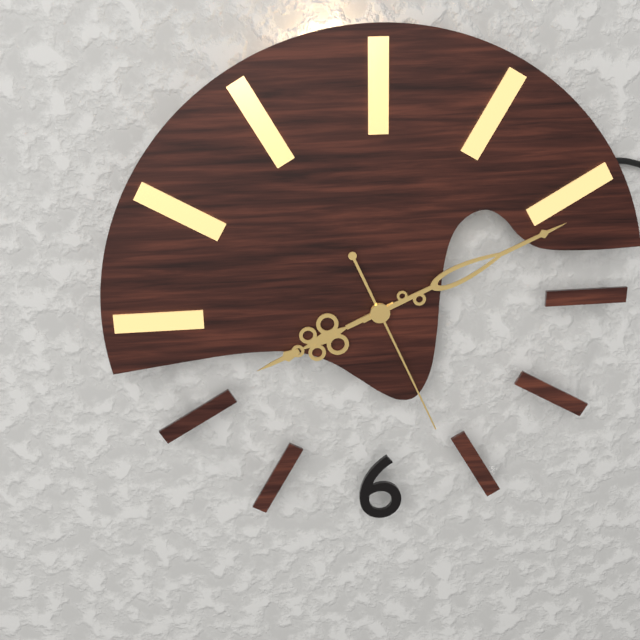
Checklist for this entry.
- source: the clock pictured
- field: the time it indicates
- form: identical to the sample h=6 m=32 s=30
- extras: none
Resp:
h=8 m=11 s=26
